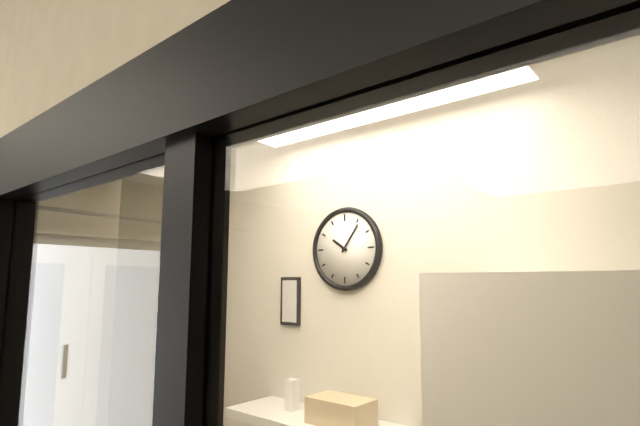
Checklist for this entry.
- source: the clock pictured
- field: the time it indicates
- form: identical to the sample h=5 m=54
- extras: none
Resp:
h=10 m=6
